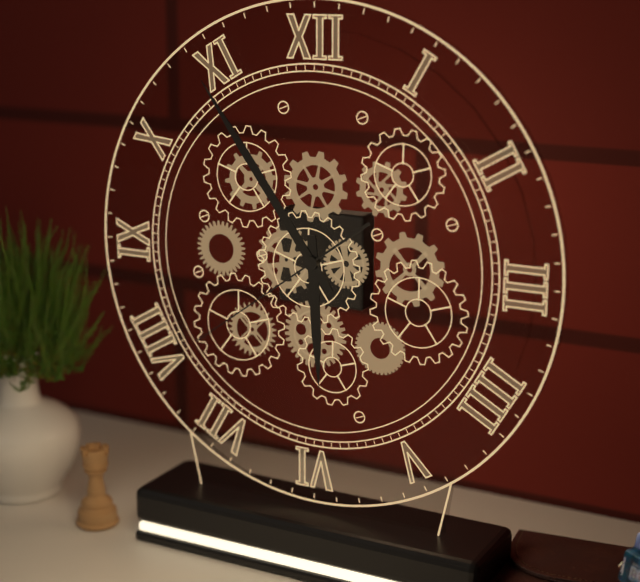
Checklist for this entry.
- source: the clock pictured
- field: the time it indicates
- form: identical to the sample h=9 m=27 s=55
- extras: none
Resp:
h=5 m=54 s=39
